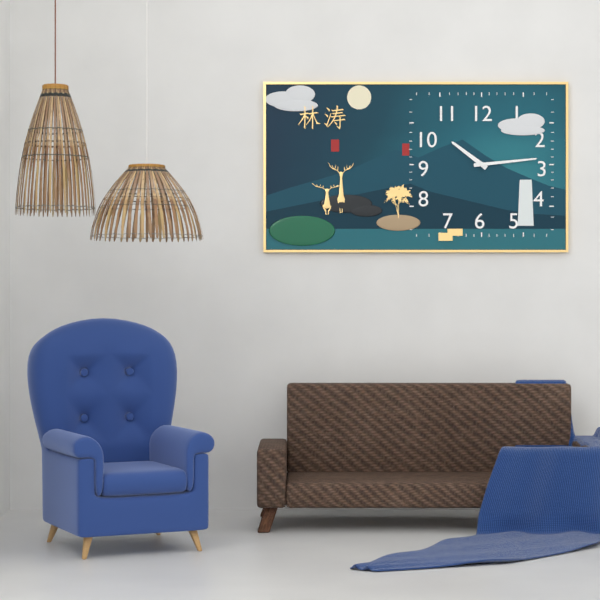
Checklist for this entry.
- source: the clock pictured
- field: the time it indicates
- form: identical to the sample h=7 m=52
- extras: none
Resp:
h=10 m=14
